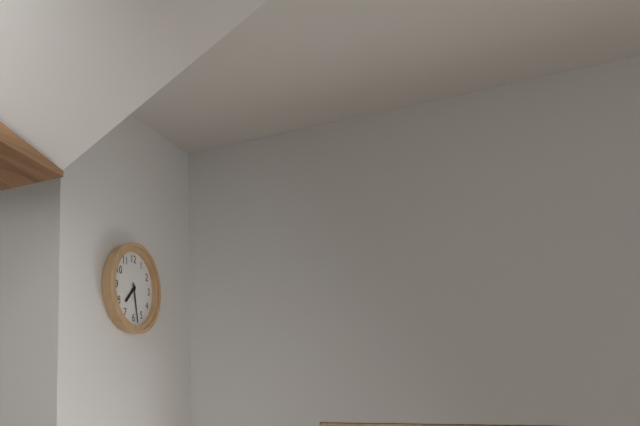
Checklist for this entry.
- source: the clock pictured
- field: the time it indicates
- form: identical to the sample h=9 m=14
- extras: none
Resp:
h=7 m=28
